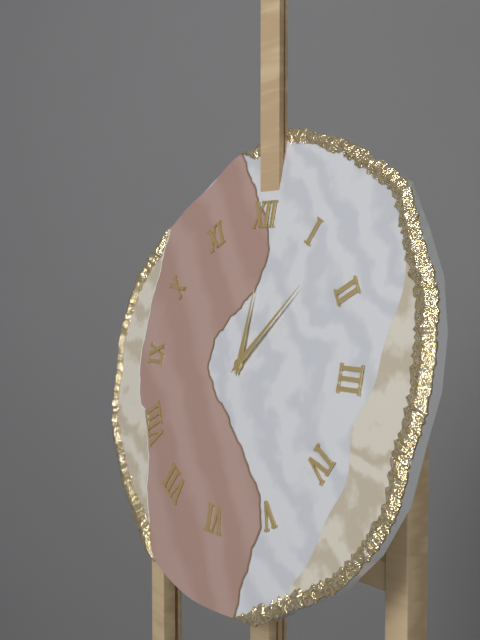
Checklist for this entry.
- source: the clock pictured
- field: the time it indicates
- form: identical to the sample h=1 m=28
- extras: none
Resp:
h=12 m=7
